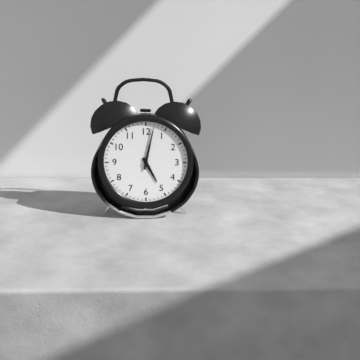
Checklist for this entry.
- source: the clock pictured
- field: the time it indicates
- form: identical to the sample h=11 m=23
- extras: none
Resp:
h=5 m=2
